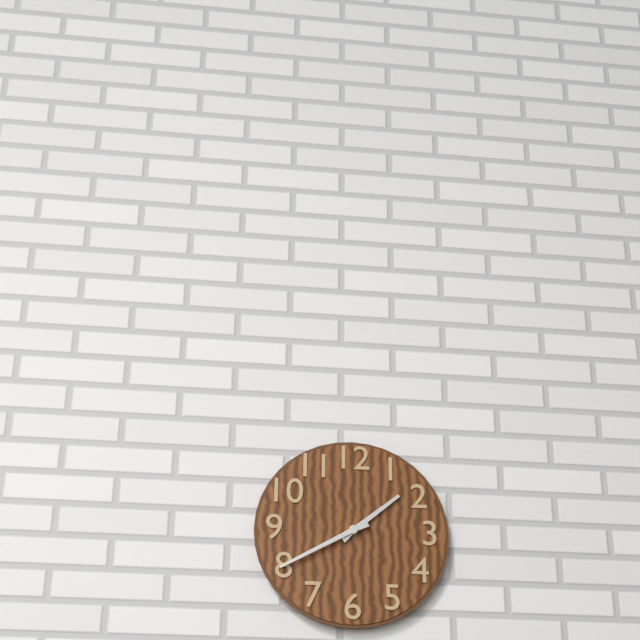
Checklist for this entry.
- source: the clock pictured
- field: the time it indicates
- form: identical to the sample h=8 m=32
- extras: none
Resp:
h=1 m=40
